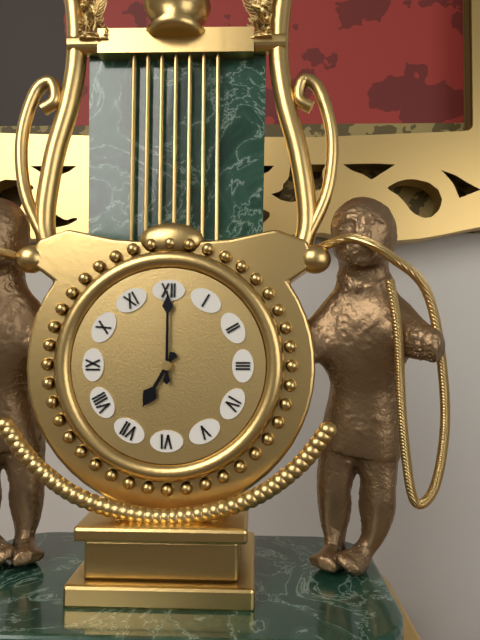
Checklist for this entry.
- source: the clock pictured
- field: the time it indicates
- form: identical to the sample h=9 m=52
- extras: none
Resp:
h=7 m=0
